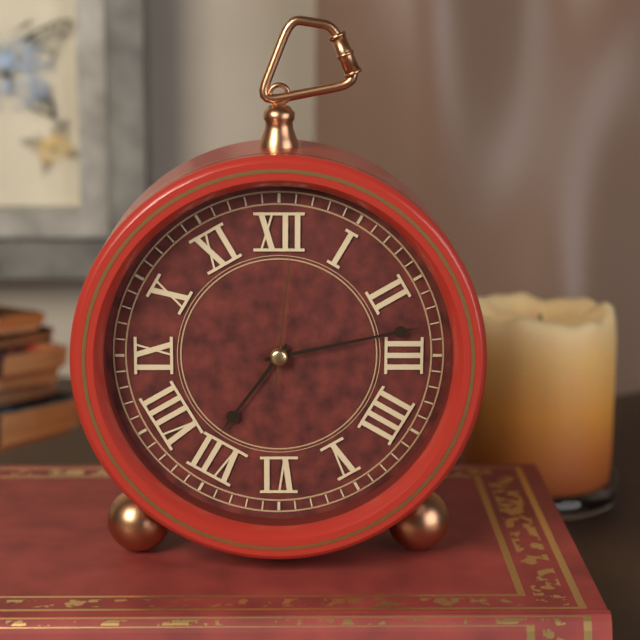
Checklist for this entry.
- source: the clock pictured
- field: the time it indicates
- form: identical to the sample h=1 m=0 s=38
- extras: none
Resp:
h=7 m=13 s=1
